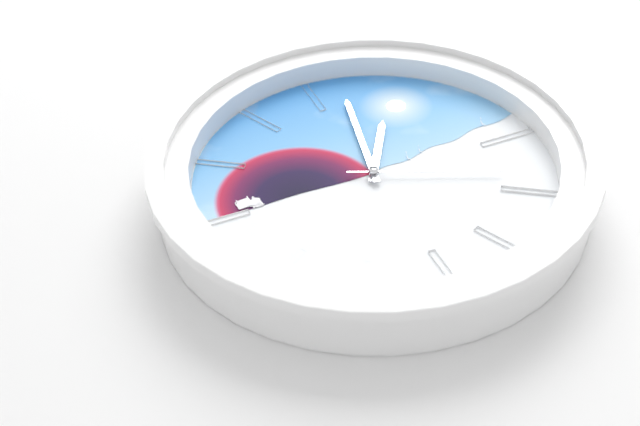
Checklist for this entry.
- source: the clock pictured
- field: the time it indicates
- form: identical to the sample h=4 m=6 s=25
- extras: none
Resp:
h=1 m=2 s=19
